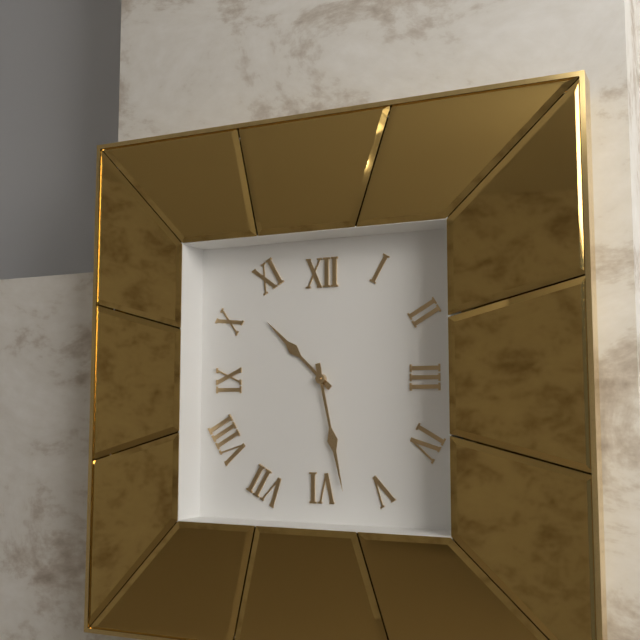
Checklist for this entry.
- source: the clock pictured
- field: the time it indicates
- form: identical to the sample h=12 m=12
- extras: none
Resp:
h=10 m=28
